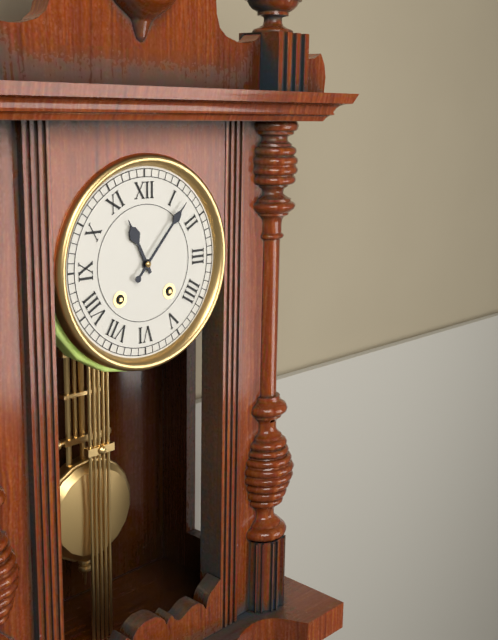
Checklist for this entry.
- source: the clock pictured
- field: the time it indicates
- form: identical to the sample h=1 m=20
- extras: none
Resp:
h=11 m=7
